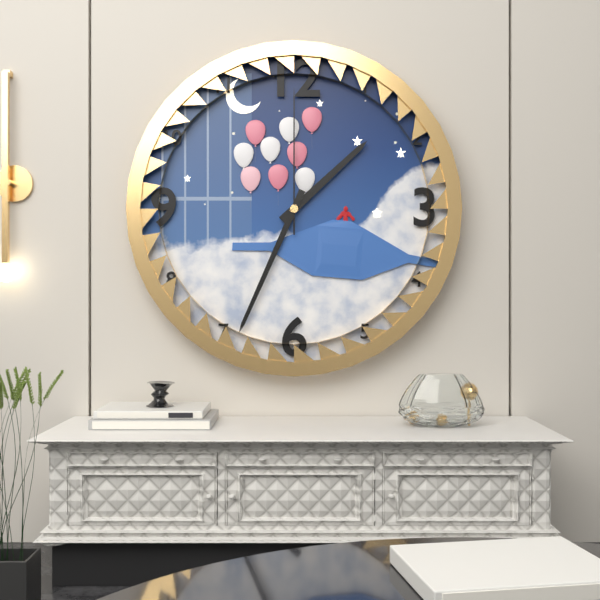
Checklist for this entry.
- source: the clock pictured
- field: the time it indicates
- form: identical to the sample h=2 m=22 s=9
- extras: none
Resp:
h=1 m=34 s=0
